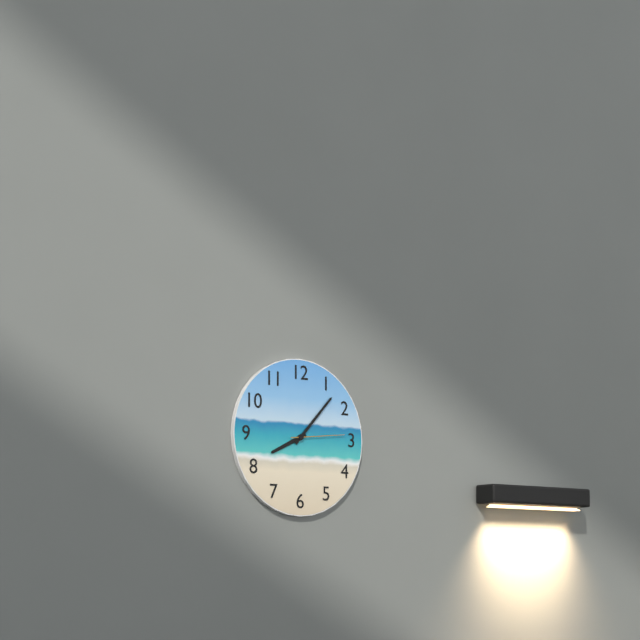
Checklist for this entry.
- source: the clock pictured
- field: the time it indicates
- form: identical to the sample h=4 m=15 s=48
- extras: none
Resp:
h=8 m=7 s=14
